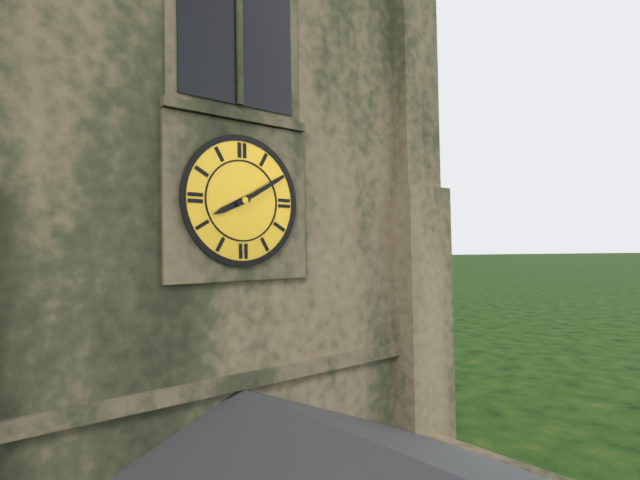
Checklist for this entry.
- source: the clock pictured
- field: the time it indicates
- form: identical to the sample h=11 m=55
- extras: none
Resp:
h=8 m=10
